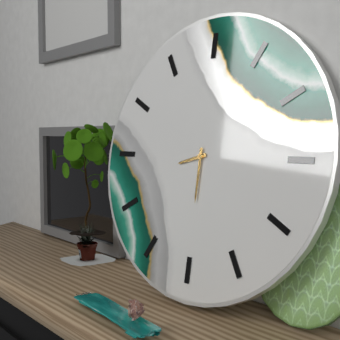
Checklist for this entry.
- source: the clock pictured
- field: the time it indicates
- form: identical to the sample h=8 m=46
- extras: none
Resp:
h=8 m=30
